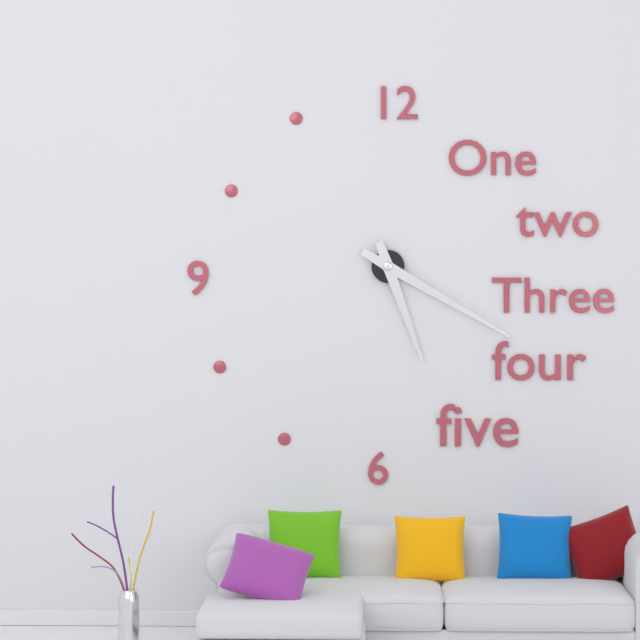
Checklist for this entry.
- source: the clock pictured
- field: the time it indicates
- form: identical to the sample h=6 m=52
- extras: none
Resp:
h=5 m=20
